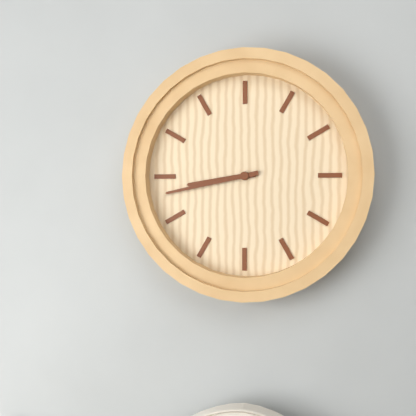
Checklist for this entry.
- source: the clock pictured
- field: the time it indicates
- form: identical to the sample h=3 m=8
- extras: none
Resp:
h=8 m=43
